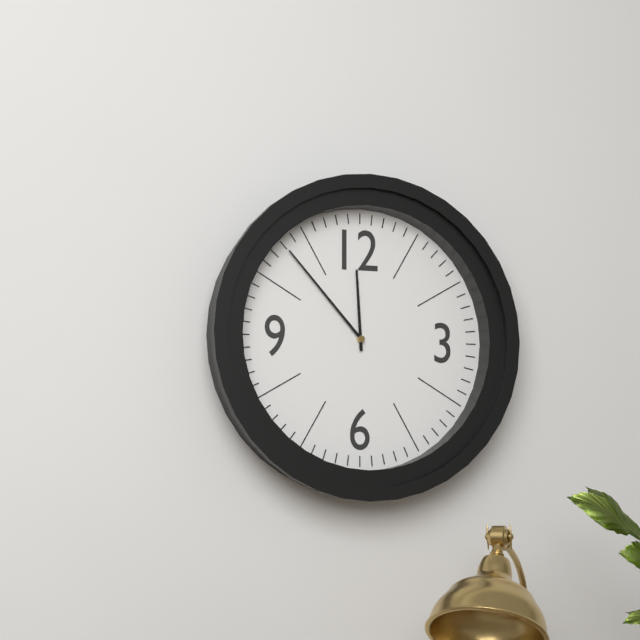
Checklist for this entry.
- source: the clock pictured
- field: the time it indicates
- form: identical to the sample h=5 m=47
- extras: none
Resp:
h=11 m=53
